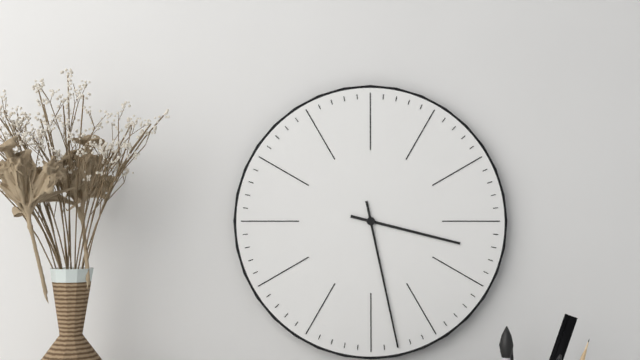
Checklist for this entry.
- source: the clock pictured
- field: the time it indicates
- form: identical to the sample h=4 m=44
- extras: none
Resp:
h=3 m=28
